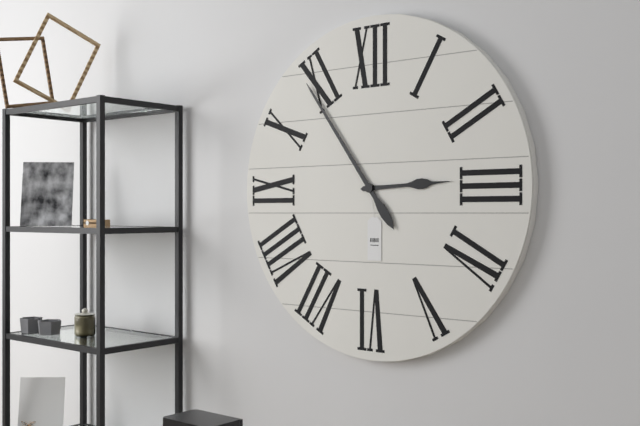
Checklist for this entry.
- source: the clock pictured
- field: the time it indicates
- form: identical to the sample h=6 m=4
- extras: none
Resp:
h=2 m=54
